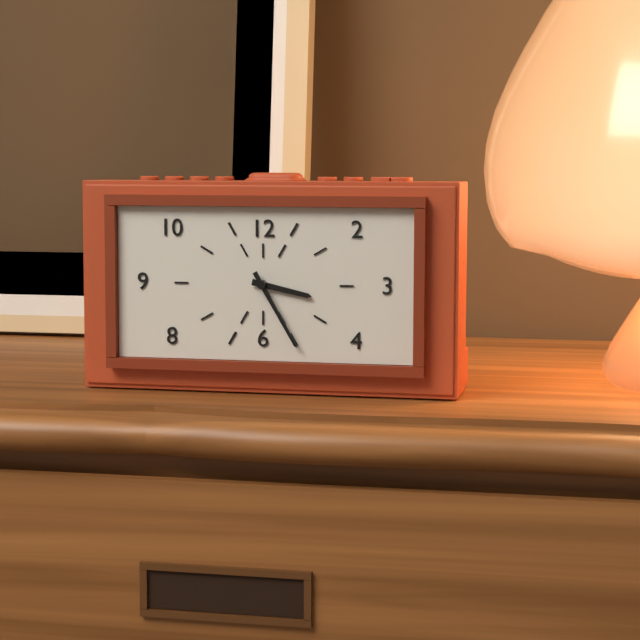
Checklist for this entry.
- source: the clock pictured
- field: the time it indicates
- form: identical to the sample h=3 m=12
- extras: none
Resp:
h=3 m=25
